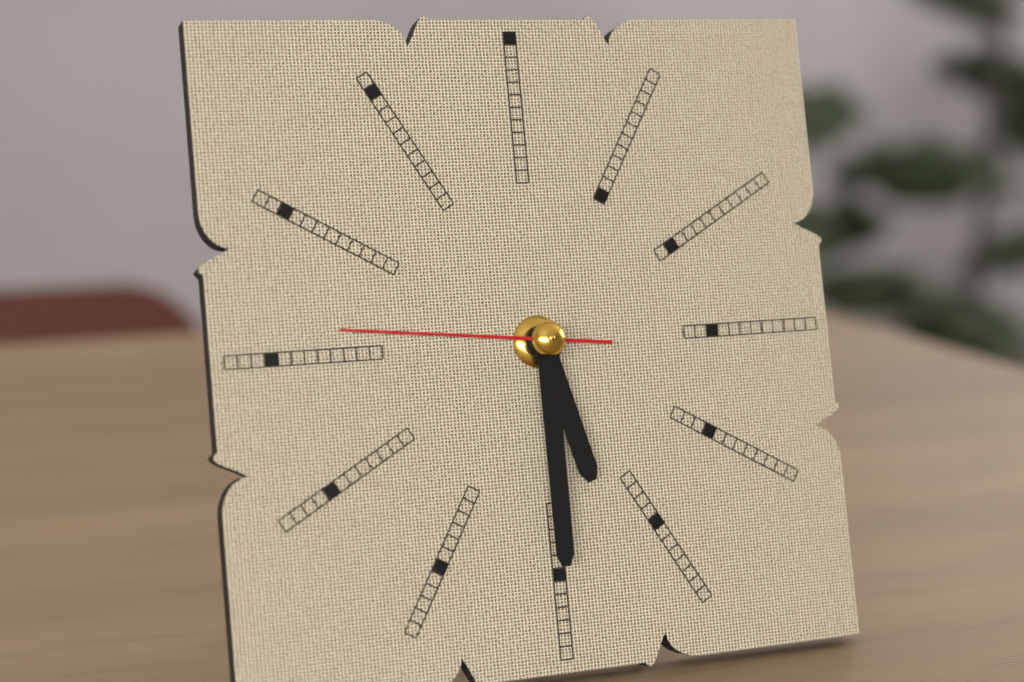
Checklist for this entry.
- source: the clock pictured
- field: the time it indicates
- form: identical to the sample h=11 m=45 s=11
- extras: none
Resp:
h=5 m=30 s=46
